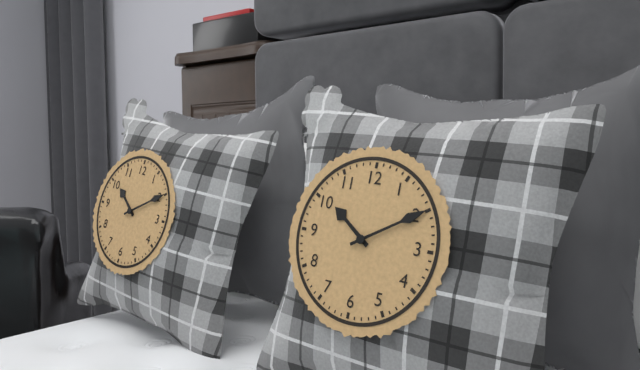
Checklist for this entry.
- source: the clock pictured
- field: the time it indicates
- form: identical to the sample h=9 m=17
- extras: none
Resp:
h=10 m=10
